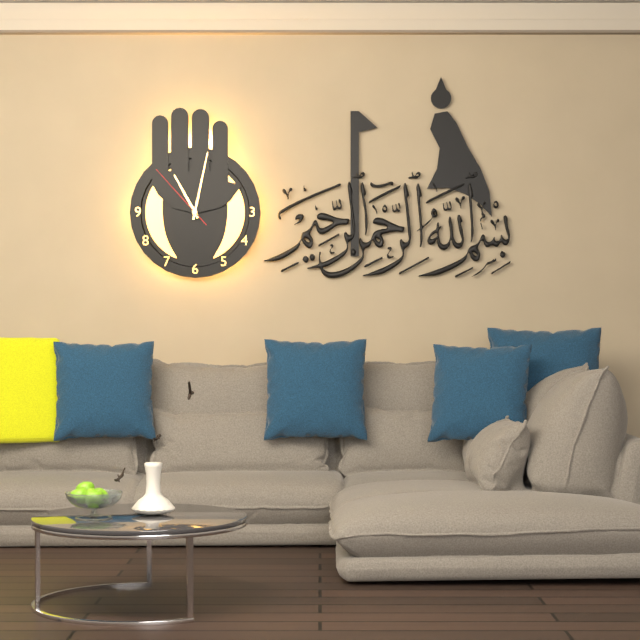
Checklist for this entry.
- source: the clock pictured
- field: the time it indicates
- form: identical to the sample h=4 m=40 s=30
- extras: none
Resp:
h=11 m=2 s=53
